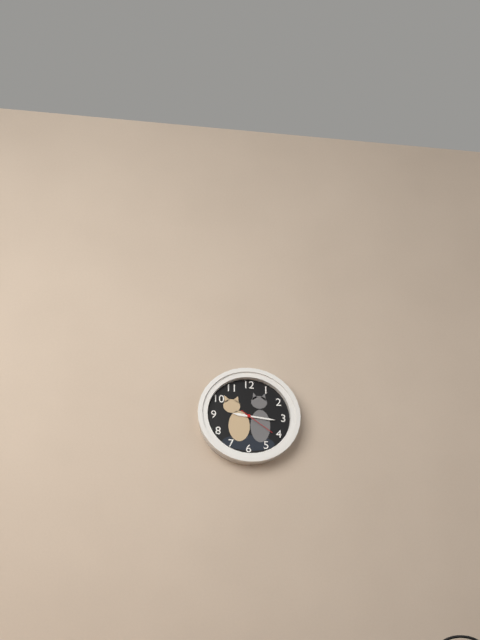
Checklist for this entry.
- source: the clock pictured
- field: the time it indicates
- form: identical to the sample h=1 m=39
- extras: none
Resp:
h=9 m=16
